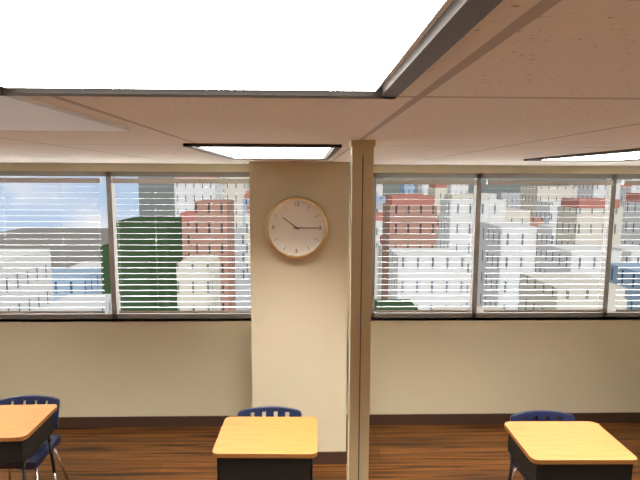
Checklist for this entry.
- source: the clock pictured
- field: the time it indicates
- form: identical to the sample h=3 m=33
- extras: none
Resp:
h=10 m=15
